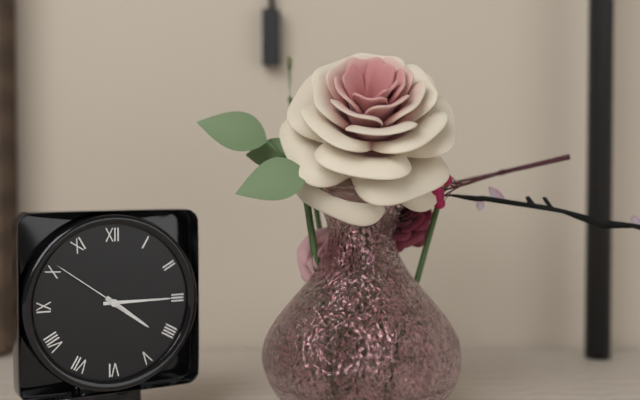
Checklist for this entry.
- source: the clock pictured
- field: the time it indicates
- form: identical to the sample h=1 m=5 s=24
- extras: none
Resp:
h=4 m=15 s=51
